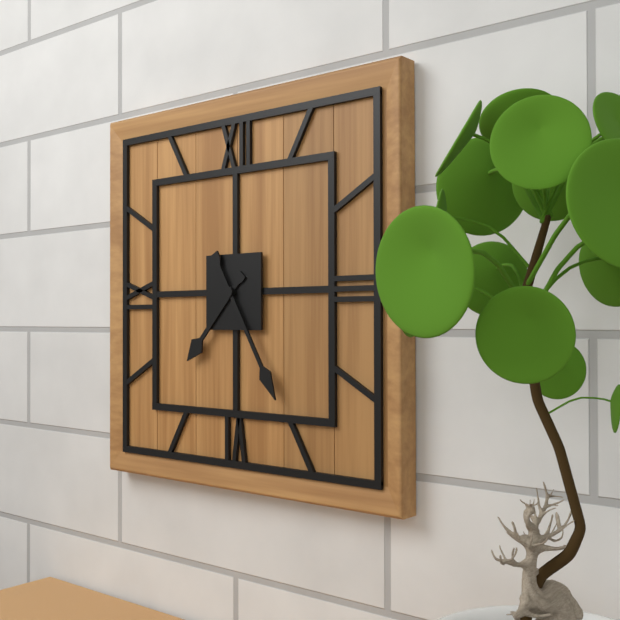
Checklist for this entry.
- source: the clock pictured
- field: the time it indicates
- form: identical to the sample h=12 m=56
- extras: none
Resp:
h=7 m=25
